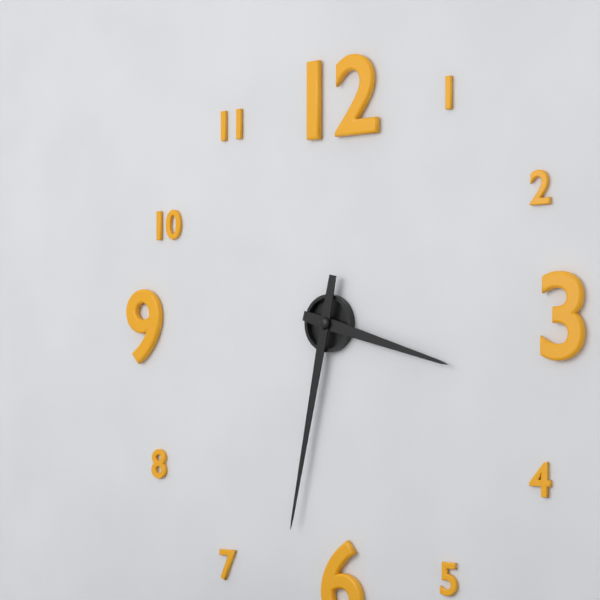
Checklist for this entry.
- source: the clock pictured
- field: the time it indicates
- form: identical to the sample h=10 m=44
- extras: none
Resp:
h=3 m=32
